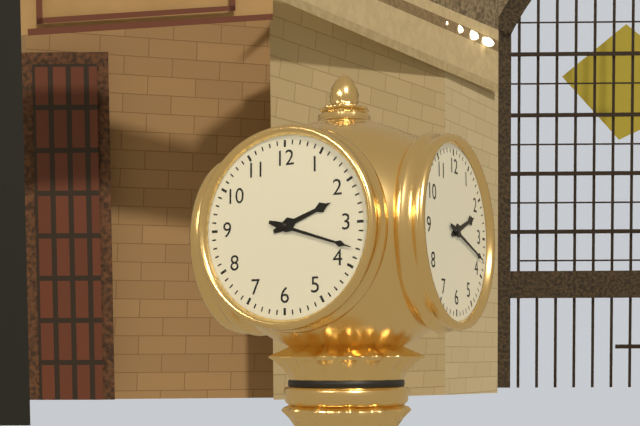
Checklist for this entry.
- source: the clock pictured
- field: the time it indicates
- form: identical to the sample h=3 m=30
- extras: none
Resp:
h=2 m=18
